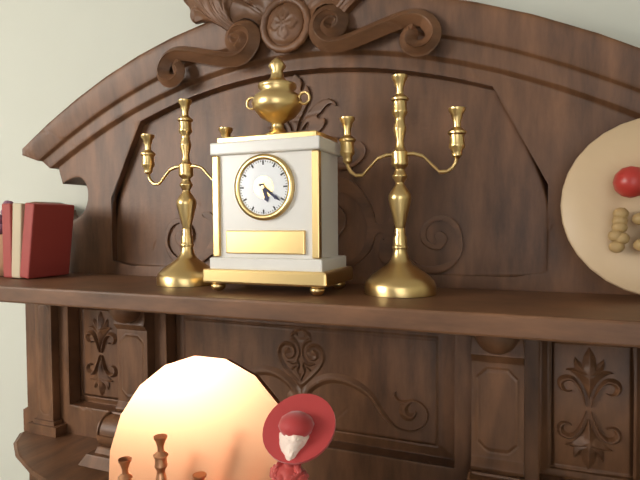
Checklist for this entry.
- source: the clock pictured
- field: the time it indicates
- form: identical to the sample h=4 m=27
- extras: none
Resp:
h=5 m=21
